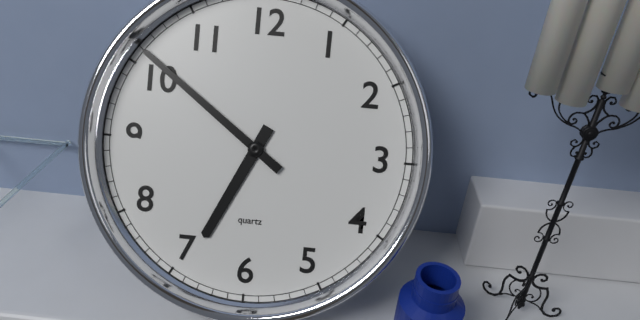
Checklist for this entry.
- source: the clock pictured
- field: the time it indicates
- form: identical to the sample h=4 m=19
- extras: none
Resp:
h=6 m=51
